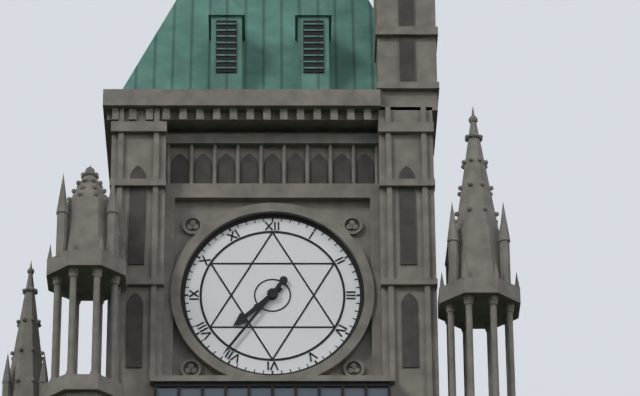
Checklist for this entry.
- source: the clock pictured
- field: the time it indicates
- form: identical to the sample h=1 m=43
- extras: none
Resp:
h=7 m=36
